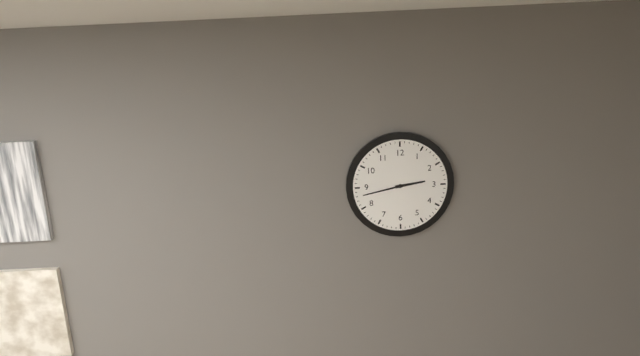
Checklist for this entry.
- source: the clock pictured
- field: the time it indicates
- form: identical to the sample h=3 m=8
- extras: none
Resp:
h=2 m=43
